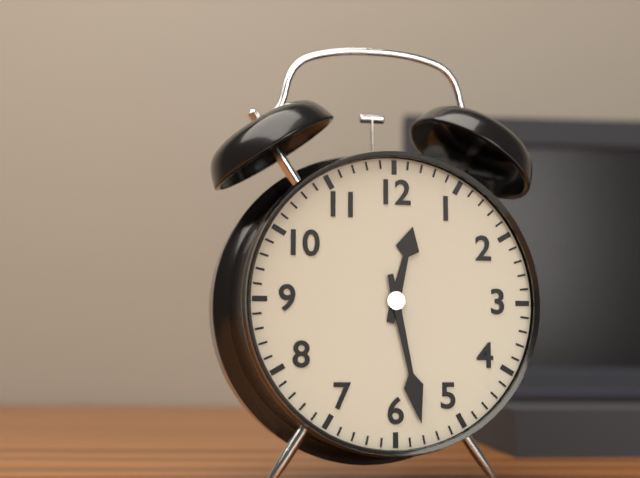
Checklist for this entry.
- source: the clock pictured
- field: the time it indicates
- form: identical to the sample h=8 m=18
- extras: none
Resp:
h=12 m=28
